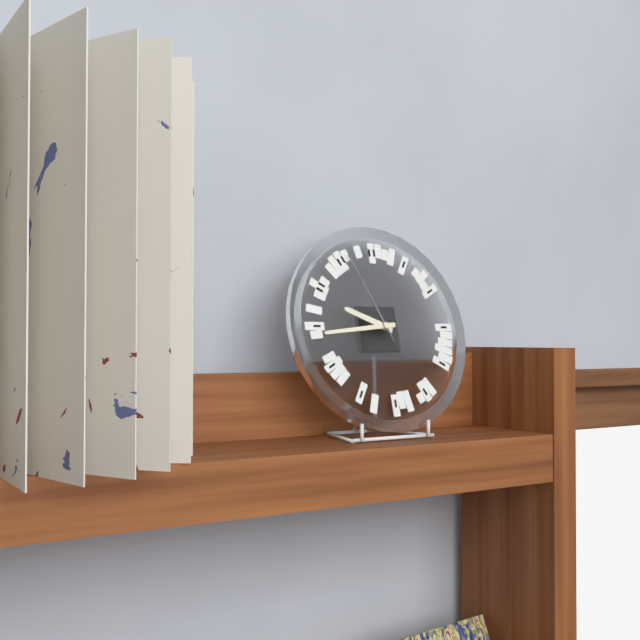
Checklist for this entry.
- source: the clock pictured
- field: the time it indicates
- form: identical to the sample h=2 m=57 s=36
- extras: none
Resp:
h=9 m=44 s=56
